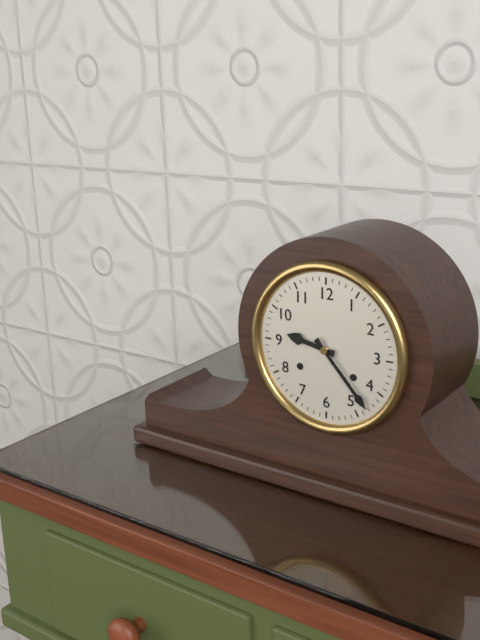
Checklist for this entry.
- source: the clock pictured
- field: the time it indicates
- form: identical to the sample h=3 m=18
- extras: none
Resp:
h=9 m=23
